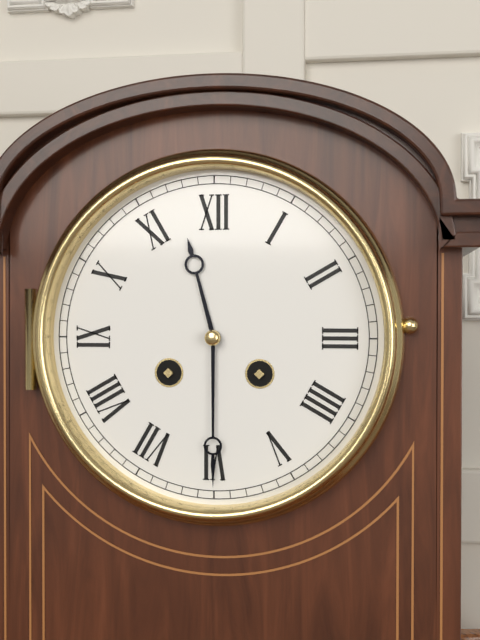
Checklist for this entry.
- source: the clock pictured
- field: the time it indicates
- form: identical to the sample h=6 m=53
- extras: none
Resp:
h=11 m=30
